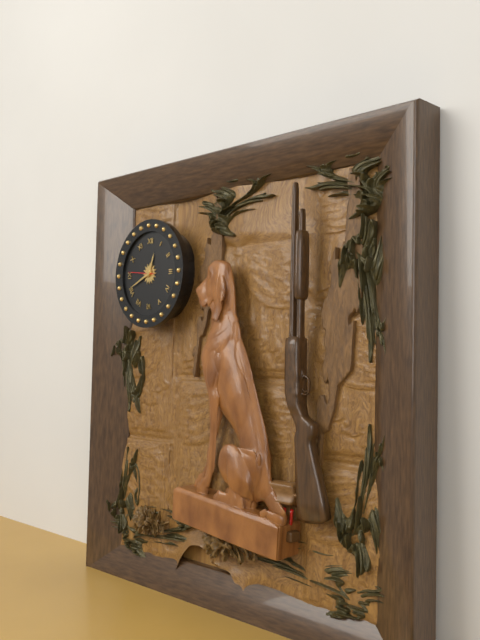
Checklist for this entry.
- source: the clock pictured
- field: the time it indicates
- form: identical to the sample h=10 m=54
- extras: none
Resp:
h=12 m=41
